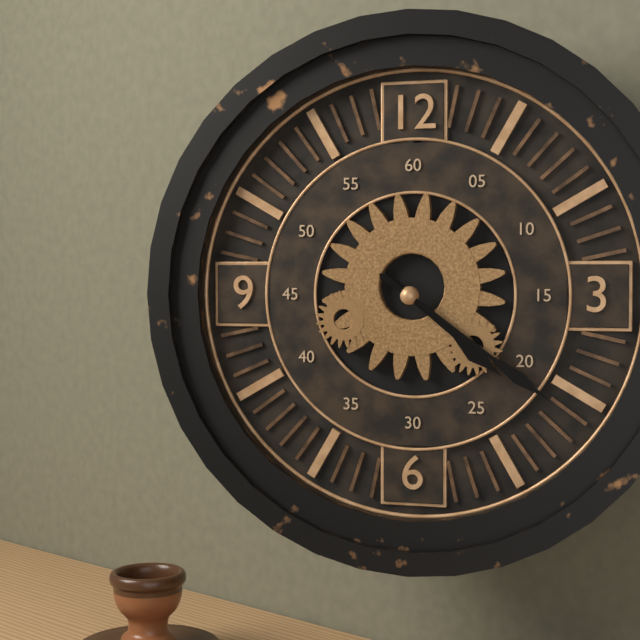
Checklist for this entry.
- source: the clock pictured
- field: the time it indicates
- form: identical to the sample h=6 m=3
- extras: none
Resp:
h=4 m=21
